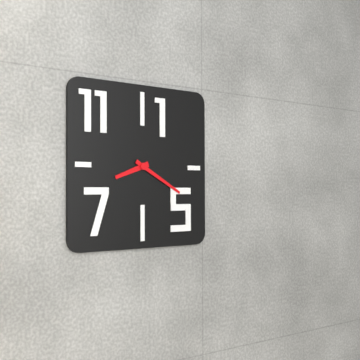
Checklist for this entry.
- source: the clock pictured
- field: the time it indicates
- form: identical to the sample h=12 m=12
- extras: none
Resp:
h=8 m=20
